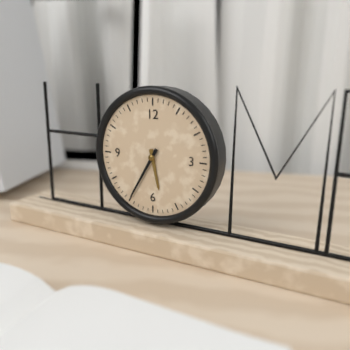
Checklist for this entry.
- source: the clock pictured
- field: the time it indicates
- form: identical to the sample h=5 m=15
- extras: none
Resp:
h=5 m=35
